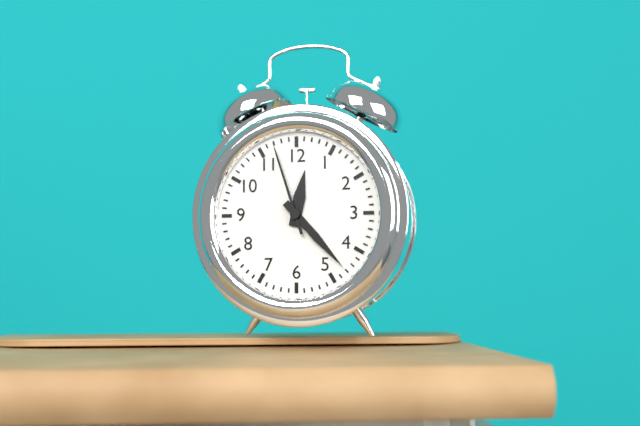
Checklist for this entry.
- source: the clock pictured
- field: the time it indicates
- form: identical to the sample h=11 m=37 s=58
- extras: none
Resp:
h=12 m=23 s=57
